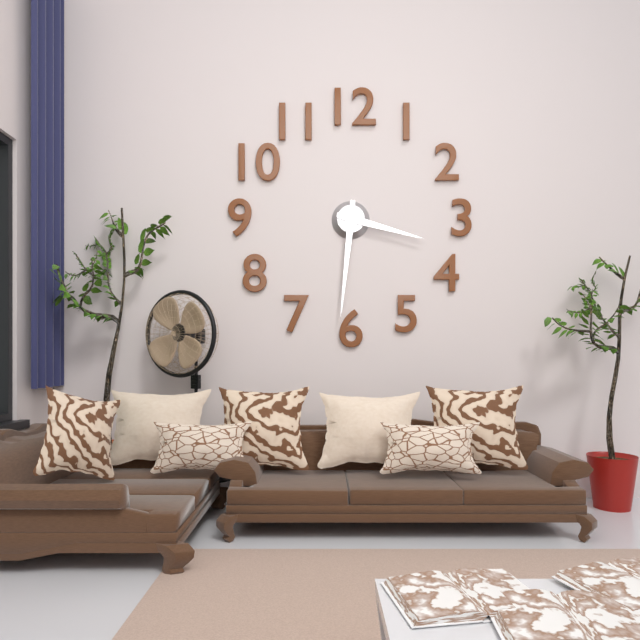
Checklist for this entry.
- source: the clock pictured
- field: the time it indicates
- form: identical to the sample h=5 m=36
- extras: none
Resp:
h=3 m=31
